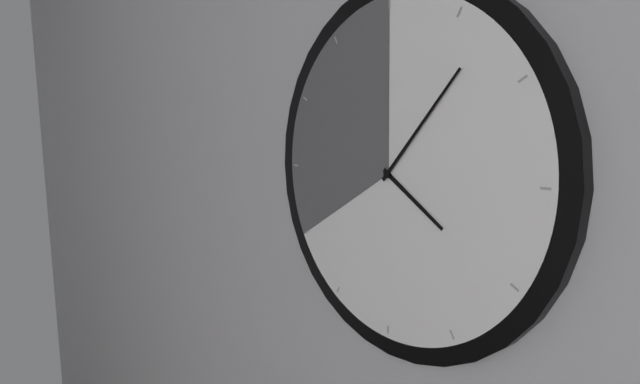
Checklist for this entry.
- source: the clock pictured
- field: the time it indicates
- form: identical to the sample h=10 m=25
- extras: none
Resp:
h=4 m=7
